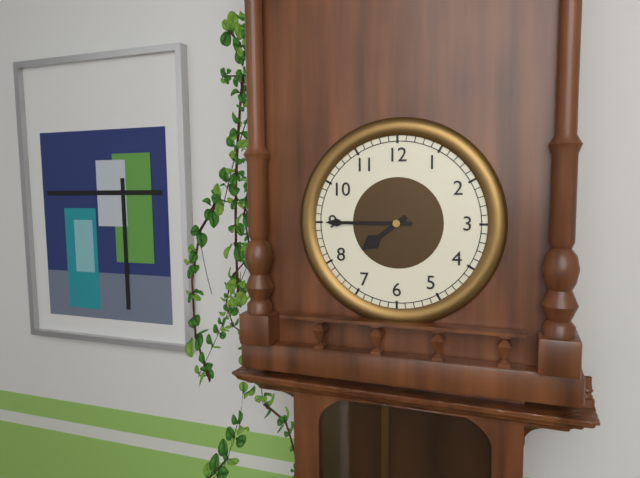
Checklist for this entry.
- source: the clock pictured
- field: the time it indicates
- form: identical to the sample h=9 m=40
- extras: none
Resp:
h=7 m=45
